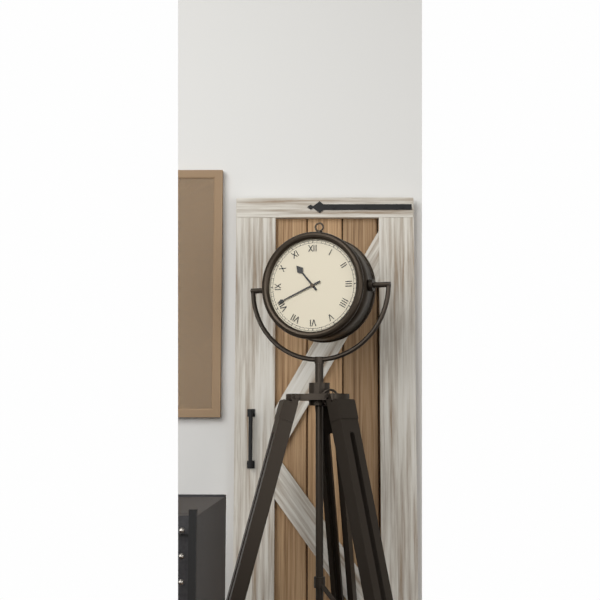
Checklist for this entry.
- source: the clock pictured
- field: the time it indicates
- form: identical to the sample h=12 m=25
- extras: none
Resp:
h=10 m=41
